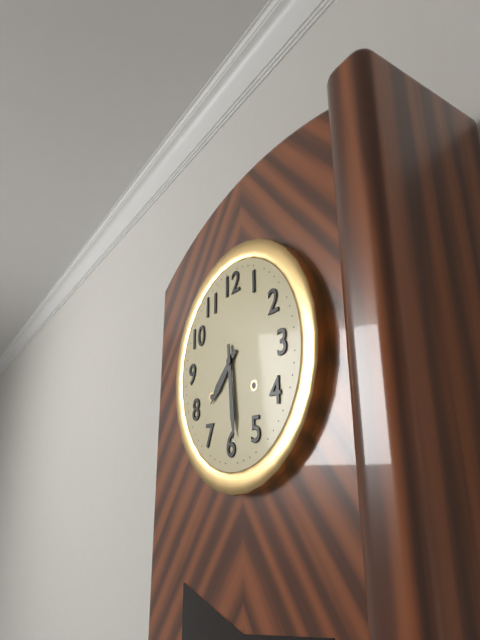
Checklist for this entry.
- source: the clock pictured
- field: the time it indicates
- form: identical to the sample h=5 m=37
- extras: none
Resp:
h=7 m=29
